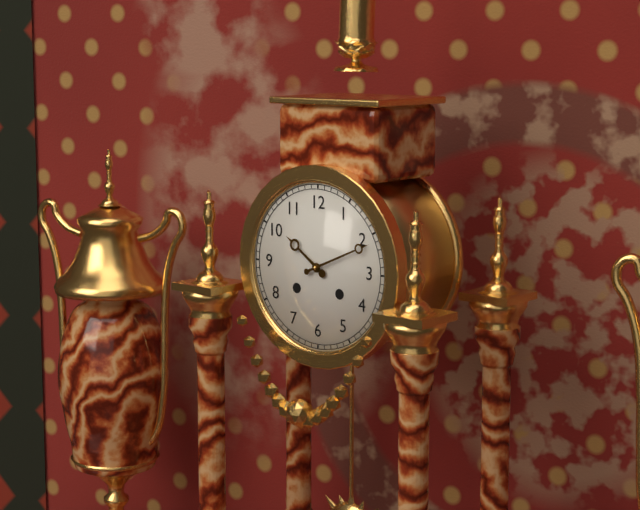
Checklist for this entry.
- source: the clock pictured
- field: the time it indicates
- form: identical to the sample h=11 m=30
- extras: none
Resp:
h=10 m=11
